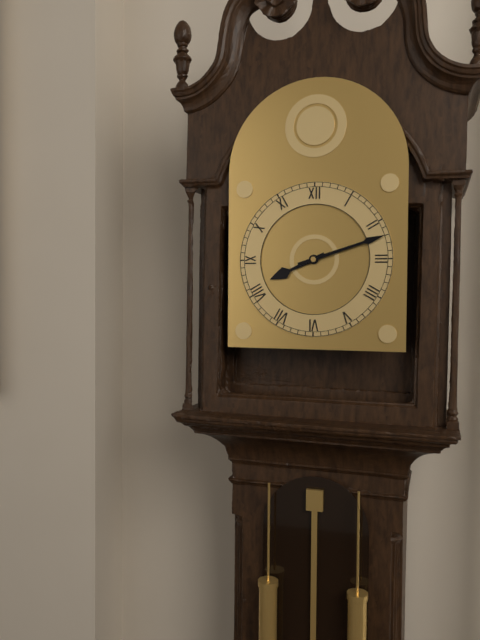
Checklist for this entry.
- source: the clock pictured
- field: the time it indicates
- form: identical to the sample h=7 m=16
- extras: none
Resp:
h=8 m=12
